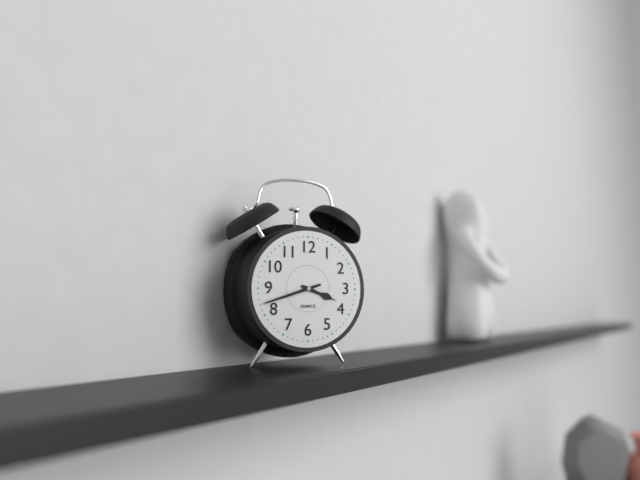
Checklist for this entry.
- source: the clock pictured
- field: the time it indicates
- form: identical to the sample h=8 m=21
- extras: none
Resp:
h=3 m=42
